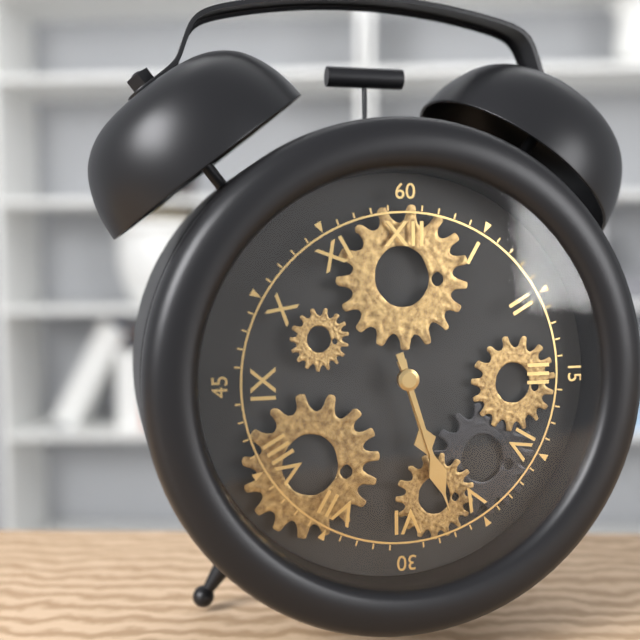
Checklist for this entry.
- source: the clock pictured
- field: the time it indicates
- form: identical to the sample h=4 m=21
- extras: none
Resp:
h=5 m=27
